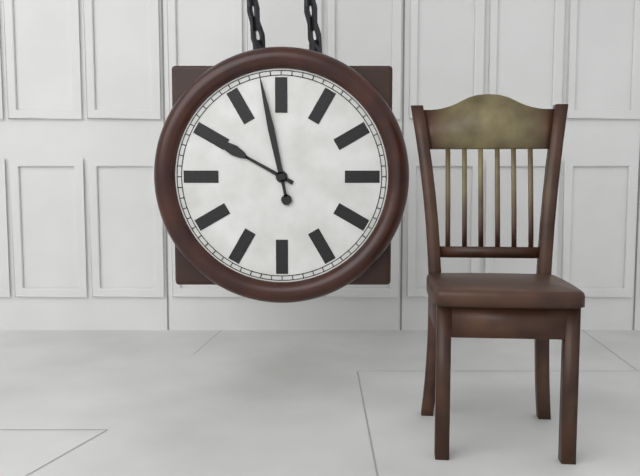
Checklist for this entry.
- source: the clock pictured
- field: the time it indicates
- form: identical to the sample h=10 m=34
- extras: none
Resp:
h=9 m=58
